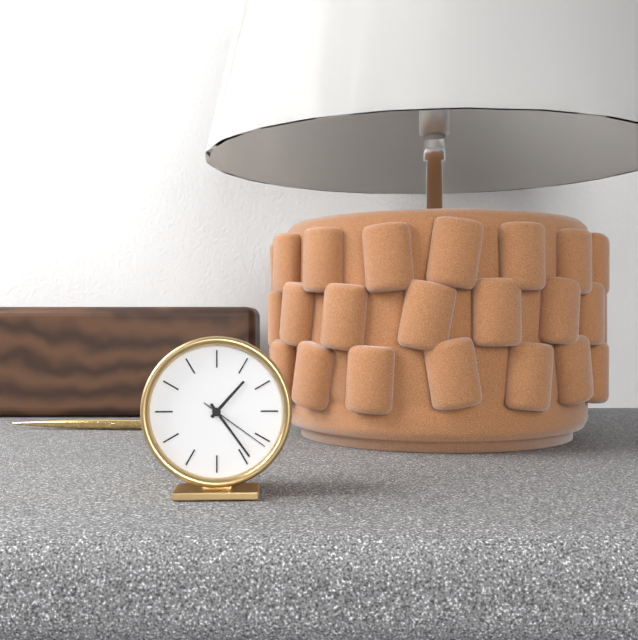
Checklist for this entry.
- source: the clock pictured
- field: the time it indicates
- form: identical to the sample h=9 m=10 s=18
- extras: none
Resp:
h=1 m=24 s=21
